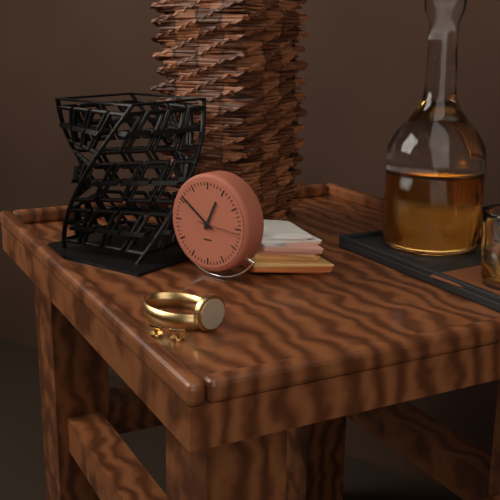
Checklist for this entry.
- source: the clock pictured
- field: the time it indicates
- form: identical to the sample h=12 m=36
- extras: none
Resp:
h=12 m=51
